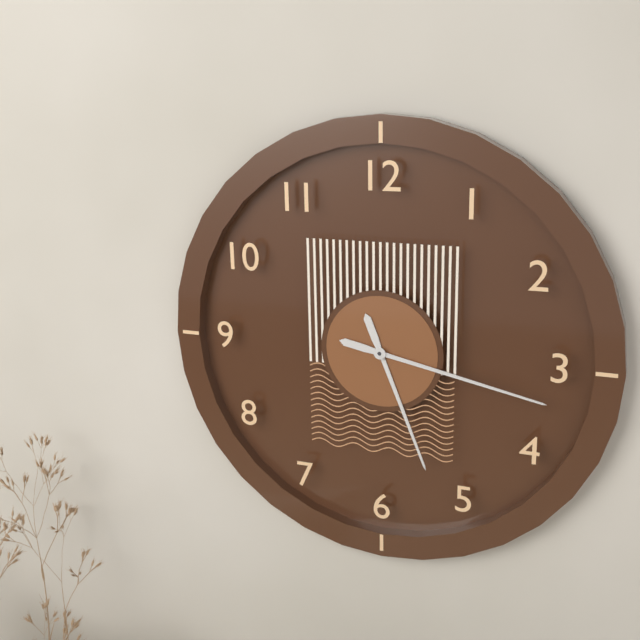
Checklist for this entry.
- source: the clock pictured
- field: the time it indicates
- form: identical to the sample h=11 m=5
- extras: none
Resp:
h=5 m=17
